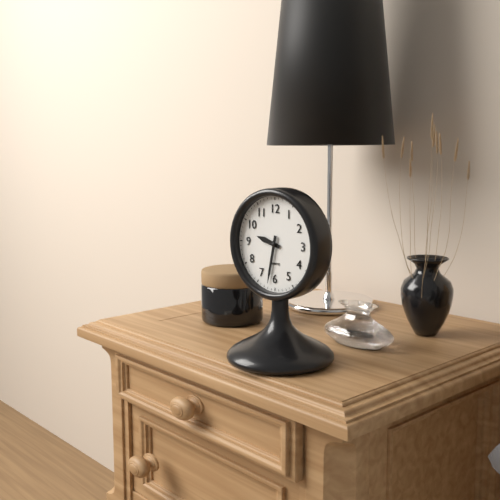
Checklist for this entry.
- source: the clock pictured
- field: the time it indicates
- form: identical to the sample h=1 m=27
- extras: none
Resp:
h=9 m=32
